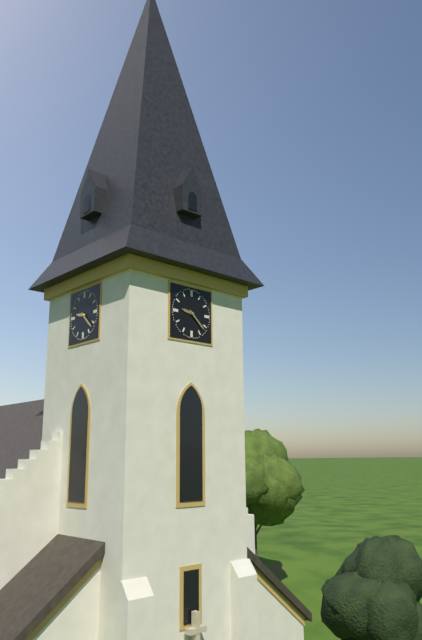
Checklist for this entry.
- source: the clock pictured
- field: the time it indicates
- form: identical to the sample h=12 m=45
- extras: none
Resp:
h=9 m=22
